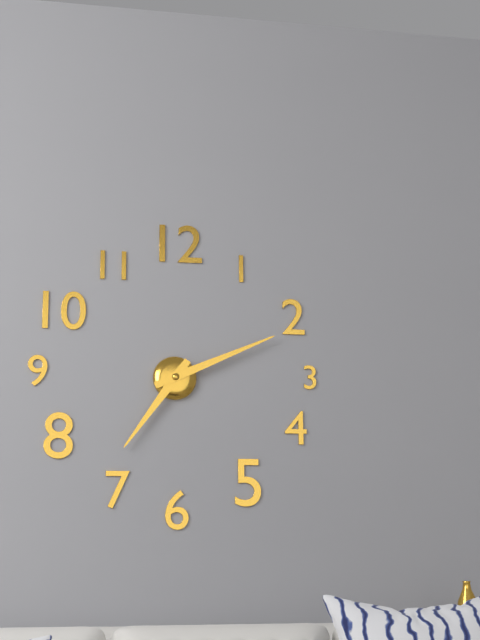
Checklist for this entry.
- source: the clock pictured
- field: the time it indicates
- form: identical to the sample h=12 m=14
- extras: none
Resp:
h=7 m=11
